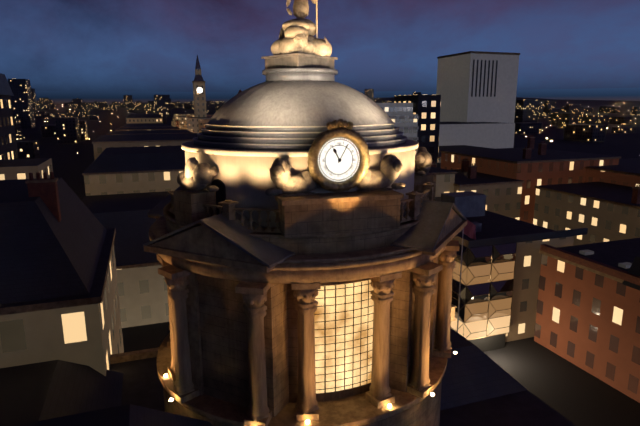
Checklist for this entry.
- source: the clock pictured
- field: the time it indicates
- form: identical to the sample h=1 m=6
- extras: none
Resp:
h=11 m=5
